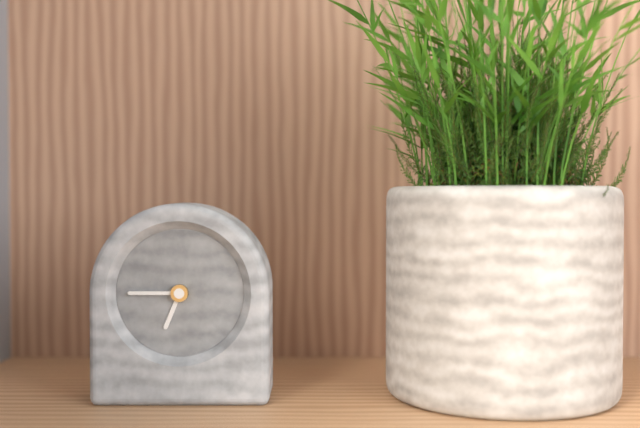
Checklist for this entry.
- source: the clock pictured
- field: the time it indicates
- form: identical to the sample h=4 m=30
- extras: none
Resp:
h=6 m=45
